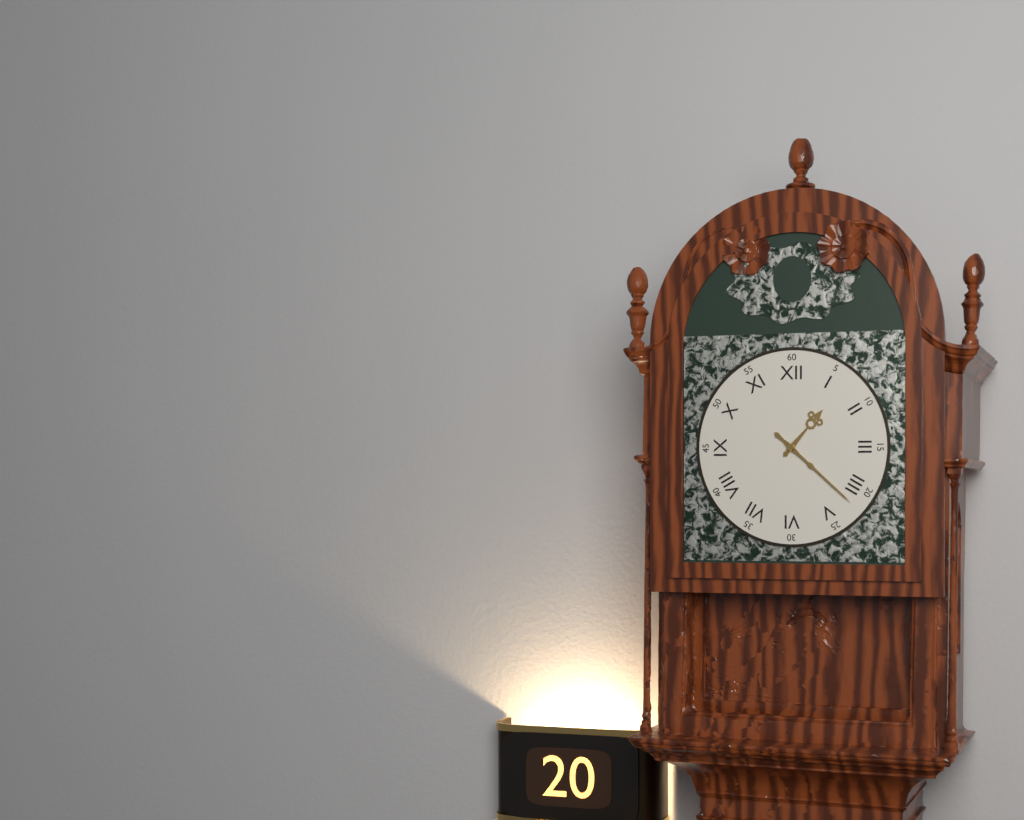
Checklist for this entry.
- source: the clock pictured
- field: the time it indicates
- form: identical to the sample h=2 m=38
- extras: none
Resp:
h=1 m=22
